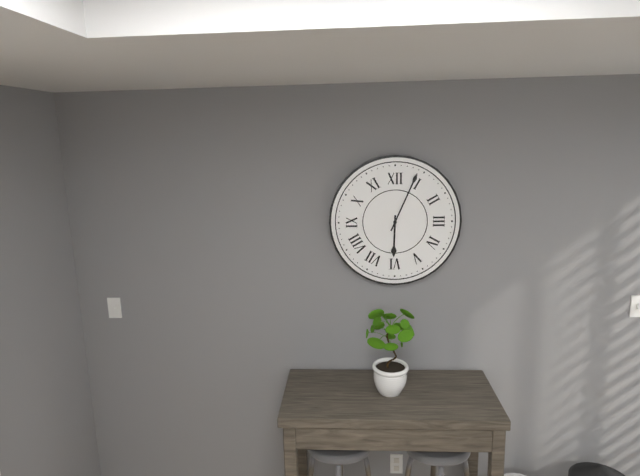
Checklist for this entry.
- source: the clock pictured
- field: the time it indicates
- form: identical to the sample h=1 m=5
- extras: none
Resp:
h=6 m=4
